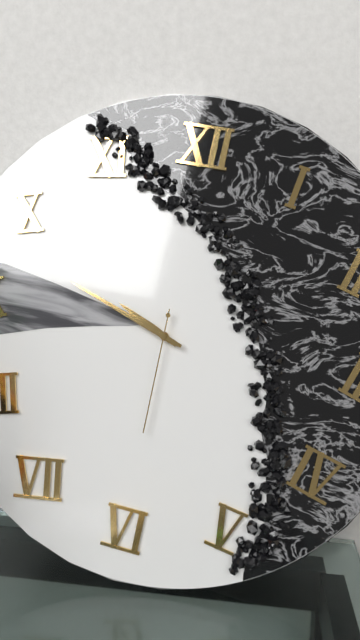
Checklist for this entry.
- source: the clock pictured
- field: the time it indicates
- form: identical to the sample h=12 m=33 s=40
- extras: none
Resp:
h=9 m=48 s=30
